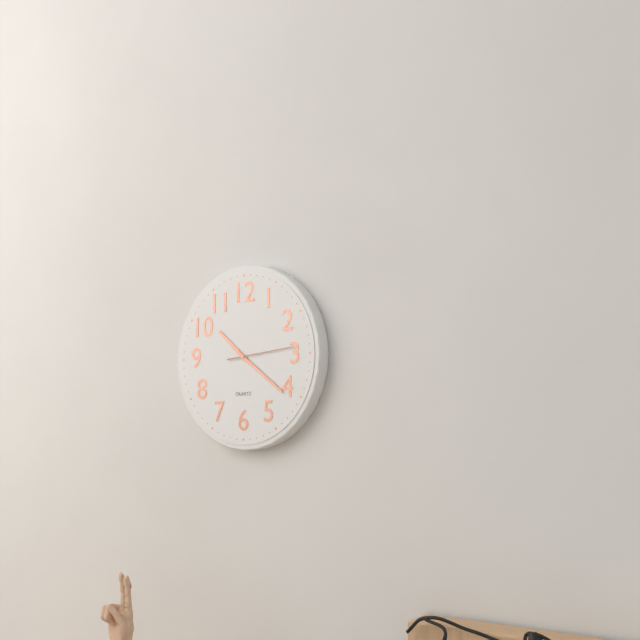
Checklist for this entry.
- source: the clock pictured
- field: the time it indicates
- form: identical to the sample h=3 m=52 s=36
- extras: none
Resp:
h=10 m=21 s=14
